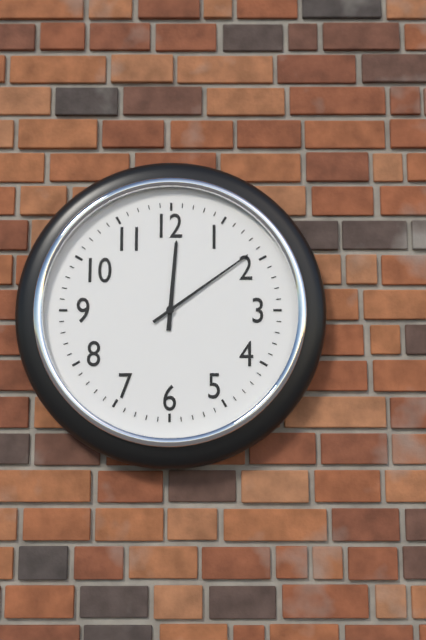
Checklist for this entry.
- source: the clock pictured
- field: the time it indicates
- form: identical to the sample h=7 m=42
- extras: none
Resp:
h=12 m=9
